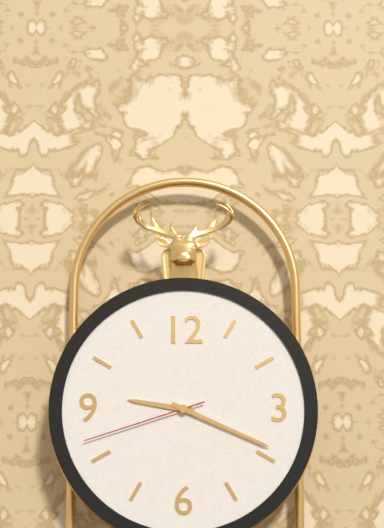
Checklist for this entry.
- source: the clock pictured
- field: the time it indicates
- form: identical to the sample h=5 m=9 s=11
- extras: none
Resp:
h=9 m=19 s=42
